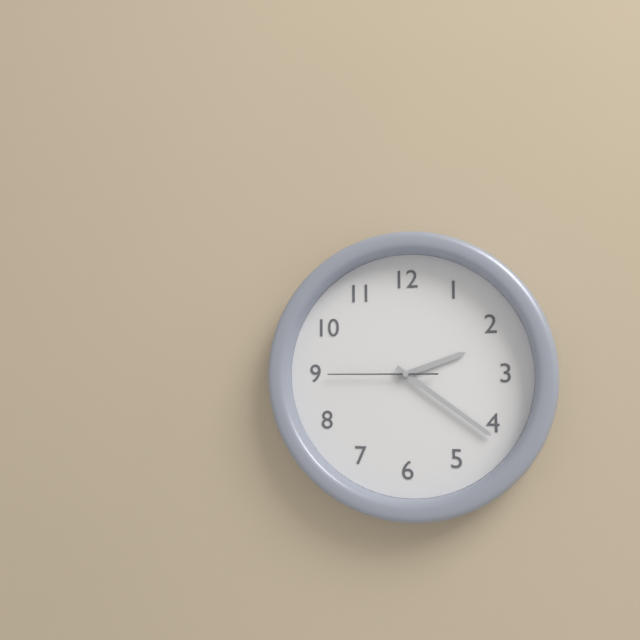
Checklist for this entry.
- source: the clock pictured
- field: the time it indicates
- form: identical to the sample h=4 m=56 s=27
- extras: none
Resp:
h=2 m=21 s=45
